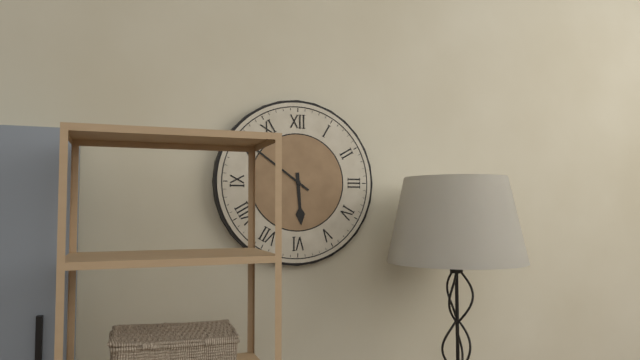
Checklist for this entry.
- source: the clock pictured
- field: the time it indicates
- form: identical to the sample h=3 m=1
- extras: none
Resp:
h=5 m=51
